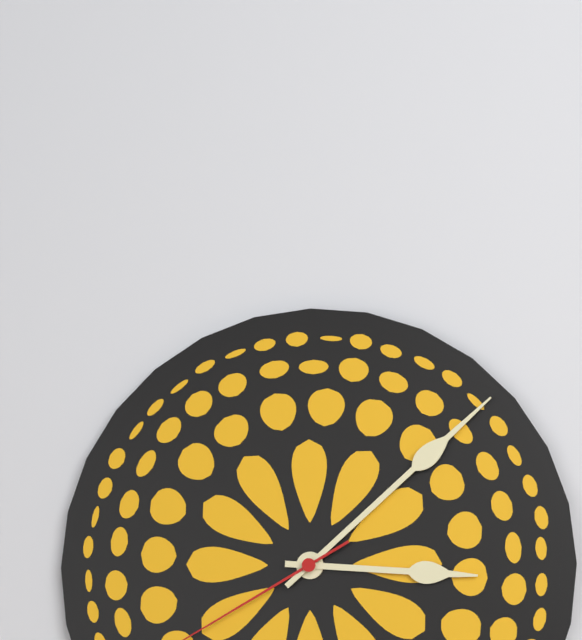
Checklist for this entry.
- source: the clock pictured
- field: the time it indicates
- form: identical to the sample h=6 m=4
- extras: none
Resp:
h=3 m=8
